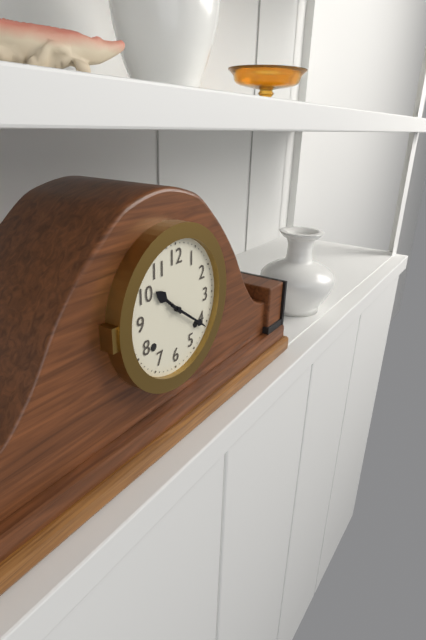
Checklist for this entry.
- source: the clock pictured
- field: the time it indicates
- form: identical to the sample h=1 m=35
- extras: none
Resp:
h=10 m=21
